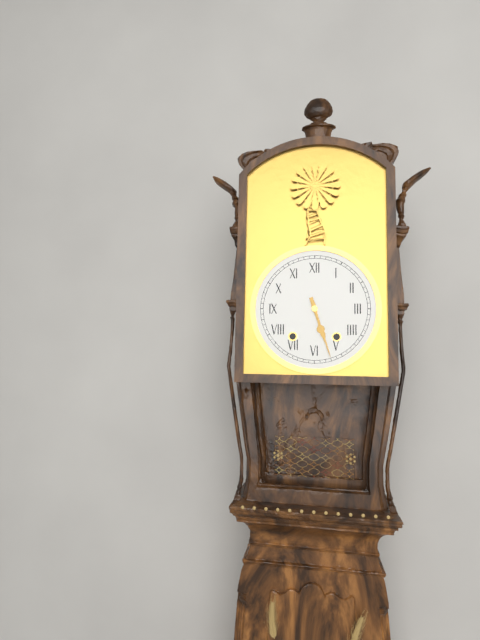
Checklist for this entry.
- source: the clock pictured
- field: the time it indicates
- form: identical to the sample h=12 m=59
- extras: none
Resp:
h=5 m=27
